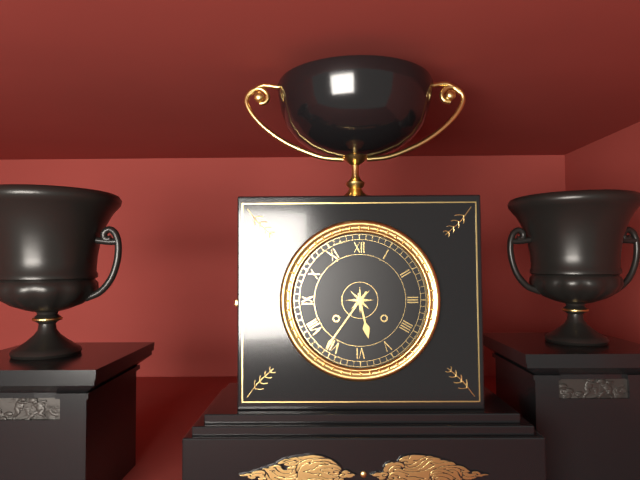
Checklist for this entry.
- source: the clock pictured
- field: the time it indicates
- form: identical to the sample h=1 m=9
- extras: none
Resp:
h=5 m=36
